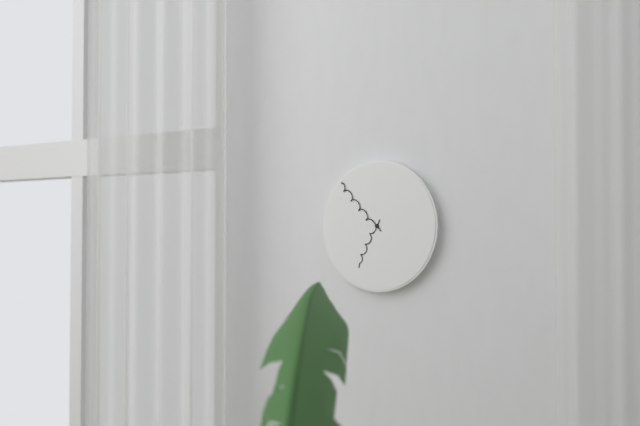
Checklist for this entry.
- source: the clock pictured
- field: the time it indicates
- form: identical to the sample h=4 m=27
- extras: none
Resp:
h=6 m=53
